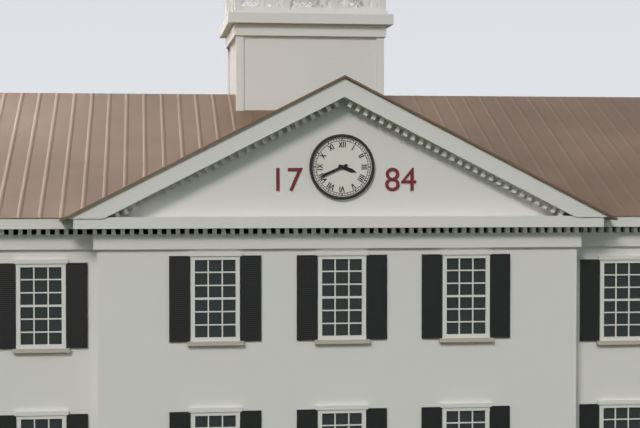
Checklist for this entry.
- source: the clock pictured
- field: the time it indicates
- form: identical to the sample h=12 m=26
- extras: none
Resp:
h=3 m=41
